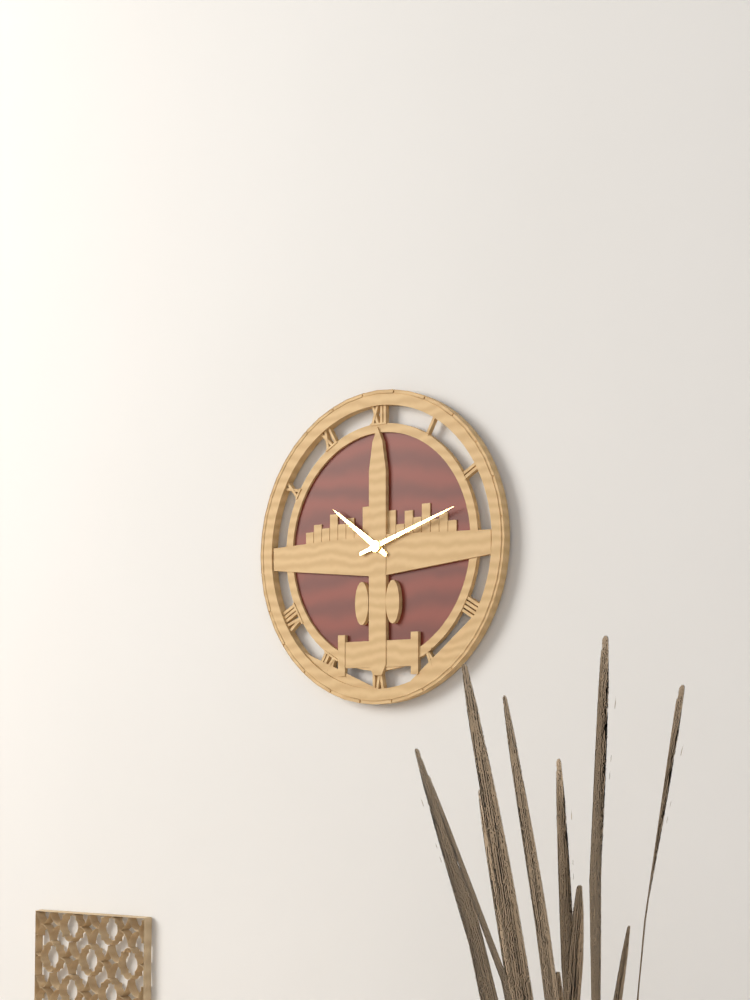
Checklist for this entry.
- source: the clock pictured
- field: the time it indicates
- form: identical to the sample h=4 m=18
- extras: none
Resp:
h=10 m=12
